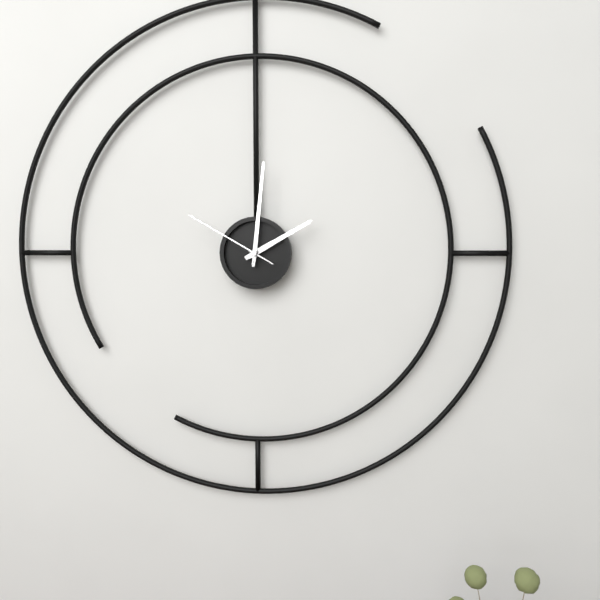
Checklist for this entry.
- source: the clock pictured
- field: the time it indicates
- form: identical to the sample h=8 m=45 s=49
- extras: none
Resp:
h=2 m=1 s=50
